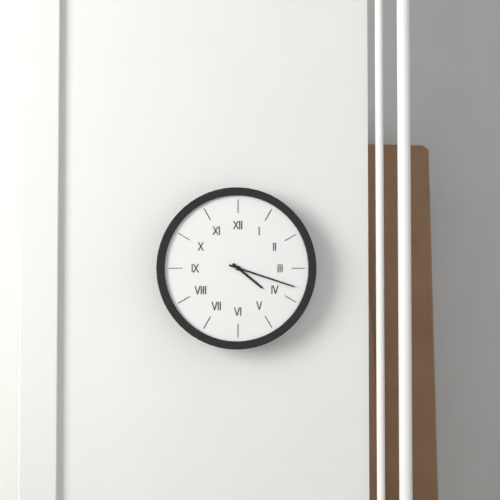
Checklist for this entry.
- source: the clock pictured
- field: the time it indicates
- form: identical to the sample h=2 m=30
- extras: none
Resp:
h=4 m=18
